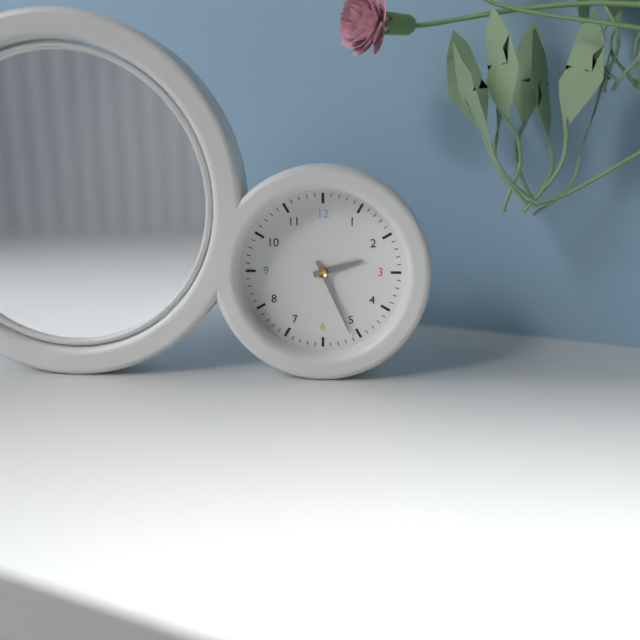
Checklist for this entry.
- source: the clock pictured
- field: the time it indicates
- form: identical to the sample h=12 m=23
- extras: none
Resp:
h=2 m=26
